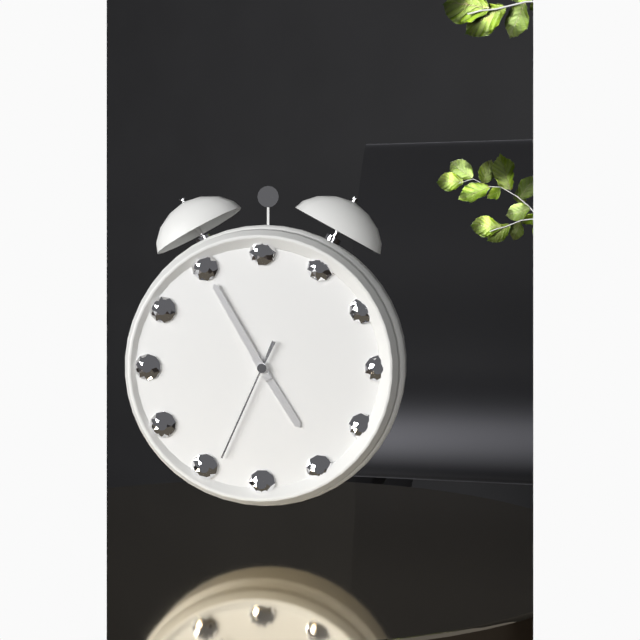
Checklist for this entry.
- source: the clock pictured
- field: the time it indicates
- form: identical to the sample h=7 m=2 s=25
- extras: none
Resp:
h=4 m=55 s=34
